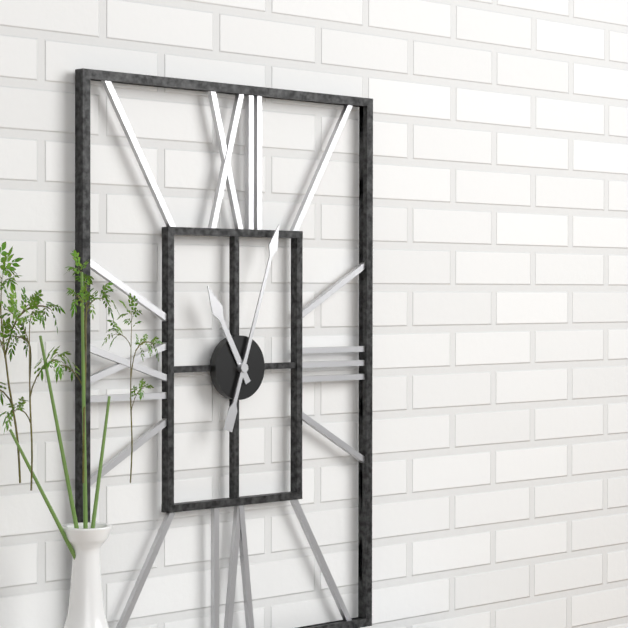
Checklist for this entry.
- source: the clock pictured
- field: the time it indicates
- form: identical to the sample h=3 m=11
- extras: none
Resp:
h=11 m=3
